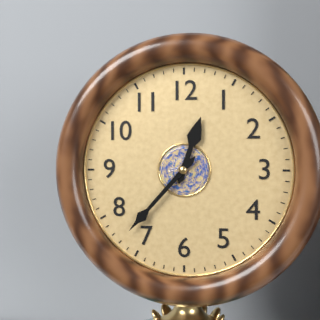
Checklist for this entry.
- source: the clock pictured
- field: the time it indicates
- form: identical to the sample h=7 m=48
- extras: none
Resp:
h=12 m=37
